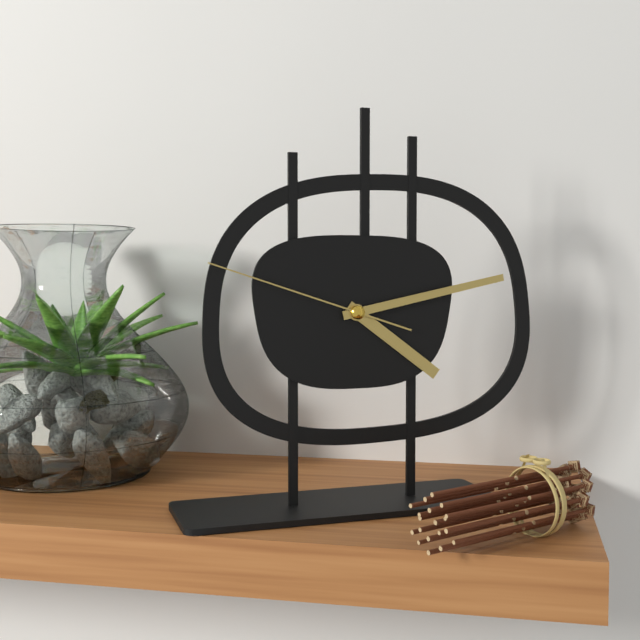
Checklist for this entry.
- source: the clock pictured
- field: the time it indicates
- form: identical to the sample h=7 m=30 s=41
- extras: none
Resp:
h=4 m=13 s=48
